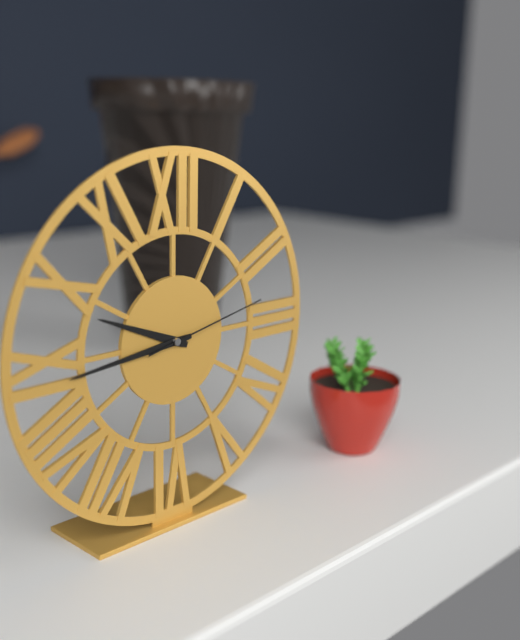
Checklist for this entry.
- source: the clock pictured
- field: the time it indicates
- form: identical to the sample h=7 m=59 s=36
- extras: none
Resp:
h=9 m=44 s=13
